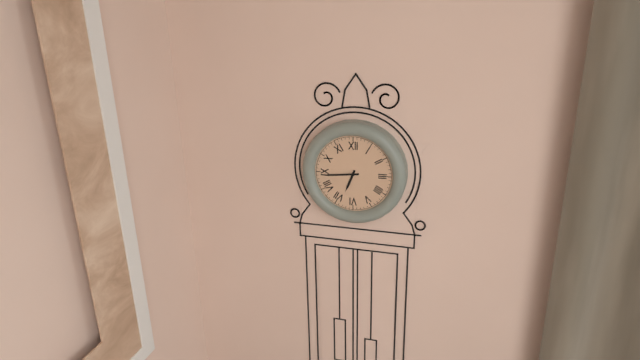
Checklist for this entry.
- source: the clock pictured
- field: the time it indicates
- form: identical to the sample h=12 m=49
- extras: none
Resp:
h=6 m=44
